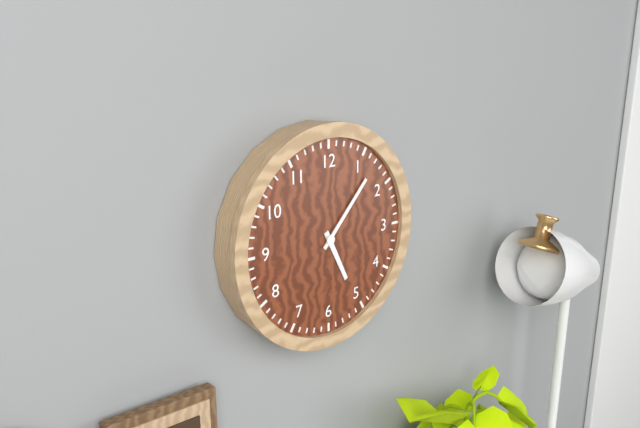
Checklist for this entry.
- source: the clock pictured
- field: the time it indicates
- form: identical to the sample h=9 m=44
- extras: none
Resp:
h=5 m=7
